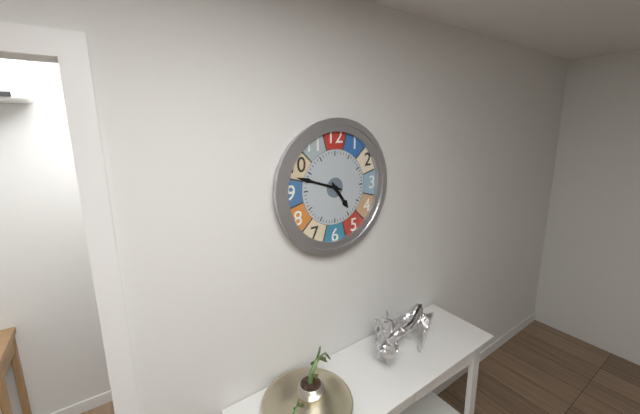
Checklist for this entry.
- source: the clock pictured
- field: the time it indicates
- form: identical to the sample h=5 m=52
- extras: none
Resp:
h=4 m=48
